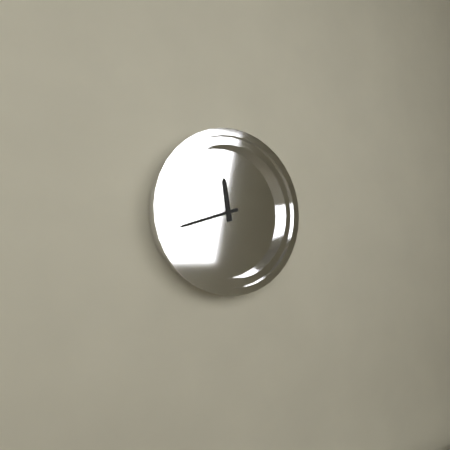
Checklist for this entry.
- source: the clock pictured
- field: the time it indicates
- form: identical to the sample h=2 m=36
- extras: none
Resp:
h=11 m=42
